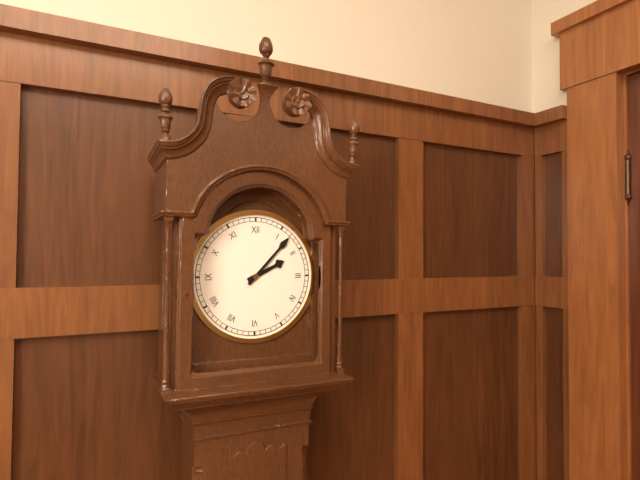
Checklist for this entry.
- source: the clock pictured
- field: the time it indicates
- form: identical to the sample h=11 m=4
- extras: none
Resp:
h=2 m=7
